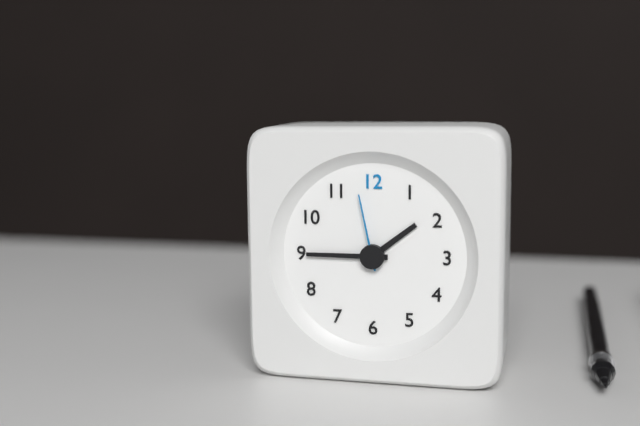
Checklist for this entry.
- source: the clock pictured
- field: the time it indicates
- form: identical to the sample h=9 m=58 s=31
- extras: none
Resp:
h=1 m=45 s=58
